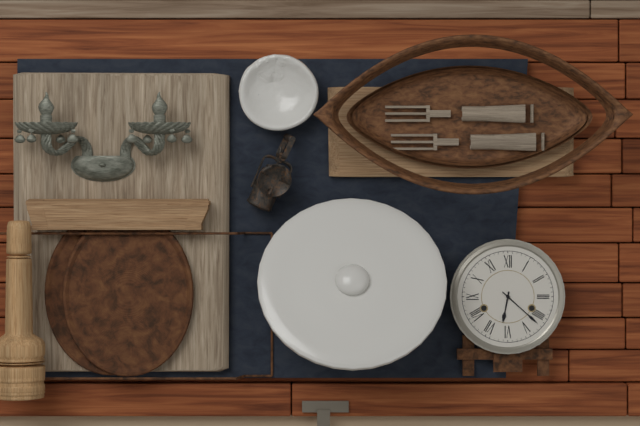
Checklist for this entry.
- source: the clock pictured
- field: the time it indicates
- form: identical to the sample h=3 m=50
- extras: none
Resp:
h=6 m=22
